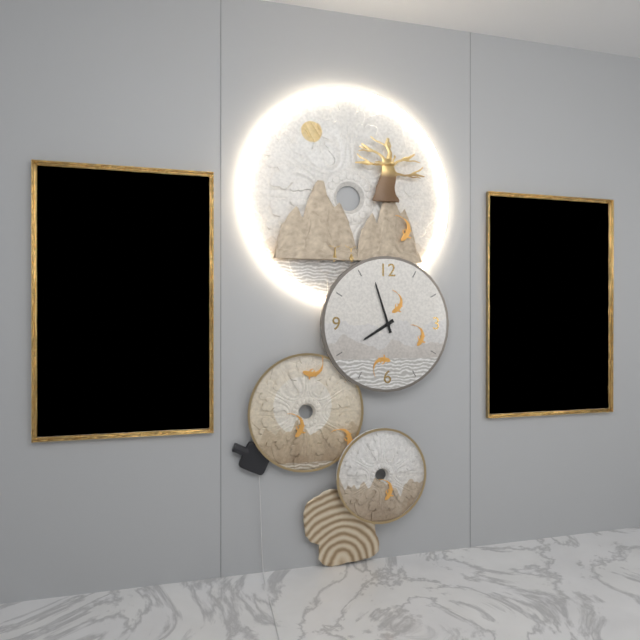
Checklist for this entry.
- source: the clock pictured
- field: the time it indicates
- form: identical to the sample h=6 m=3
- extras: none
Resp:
h=7 m=57
